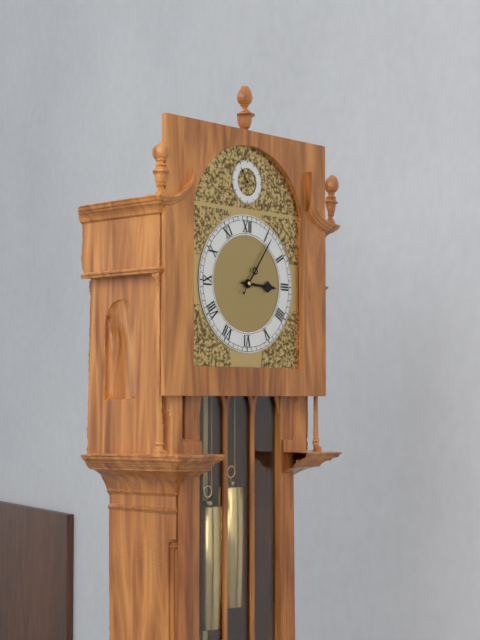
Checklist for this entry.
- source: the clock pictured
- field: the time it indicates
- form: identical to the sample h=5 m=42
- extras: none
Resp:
h=3 m=6
